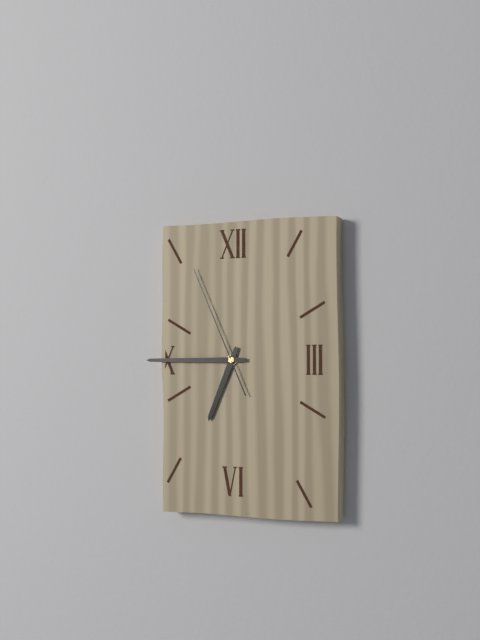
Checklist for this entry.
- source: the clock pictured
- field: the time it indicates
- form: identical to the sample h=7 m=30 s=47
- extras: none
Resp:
h=6 m=45 s=56
